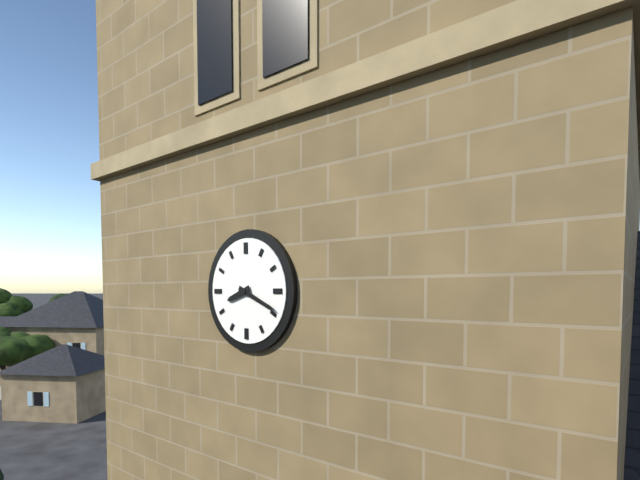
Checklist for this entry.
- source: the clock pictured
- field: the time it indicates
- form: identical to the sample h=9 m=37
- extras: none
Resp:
h=8 m=19
